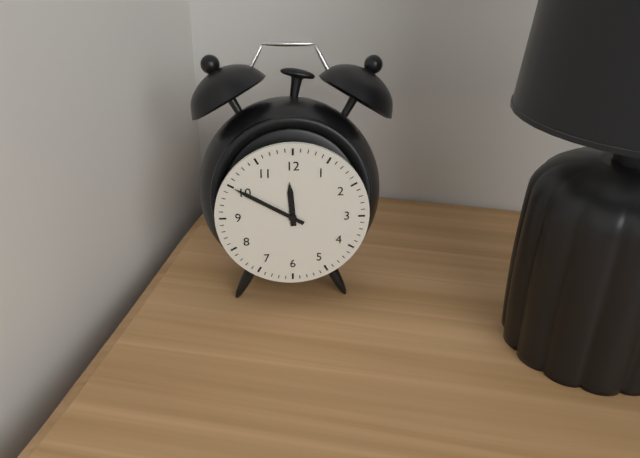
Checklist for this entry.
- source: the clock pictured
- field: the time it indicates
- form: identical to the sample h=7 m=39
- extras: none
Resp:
h=11 m=50
